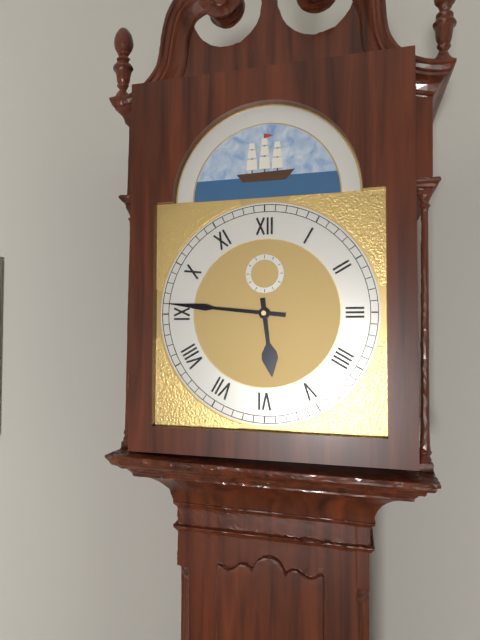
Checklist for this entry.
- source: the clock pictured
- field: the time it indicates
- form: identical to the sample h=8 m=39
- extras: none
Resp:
h=5 m=46
